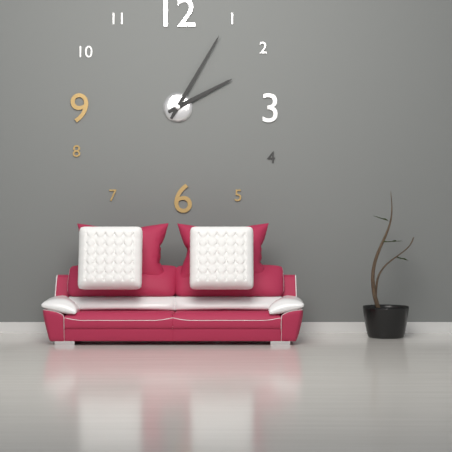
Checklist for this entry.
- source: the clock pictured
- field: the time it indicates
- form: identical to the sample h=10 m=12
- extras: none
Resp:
h=2 m=5
